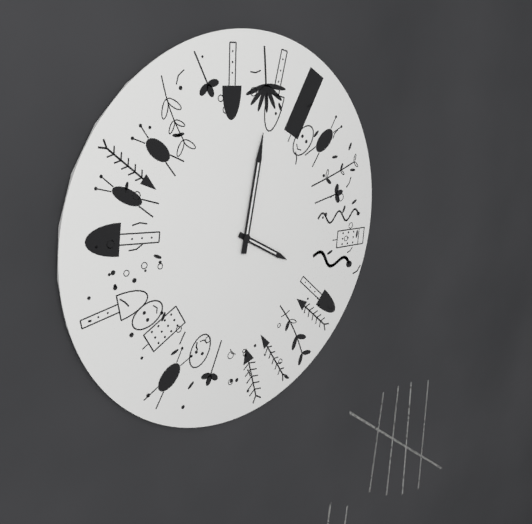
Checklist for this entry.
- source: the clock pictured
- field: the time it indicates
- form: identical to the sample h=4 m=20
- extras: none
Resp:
h=4 m=2
